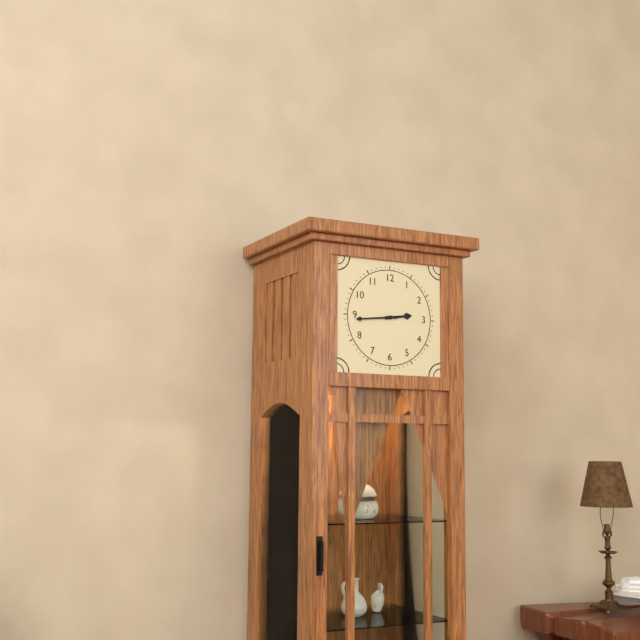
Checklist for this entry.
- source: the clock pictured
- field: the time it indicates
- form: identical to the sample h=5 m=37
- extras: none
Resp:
h=2 m=44
